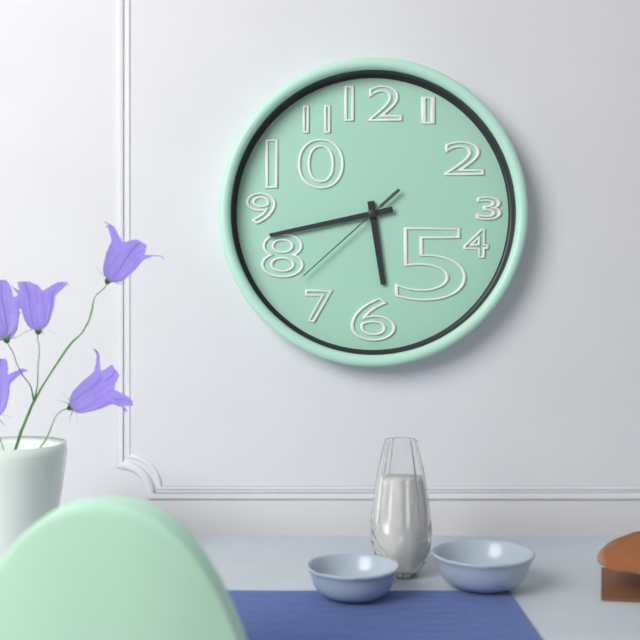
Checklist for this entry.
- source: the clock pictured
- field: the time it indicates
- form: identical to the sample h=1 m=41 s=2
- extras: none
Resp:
h=5 m=43 s=38
